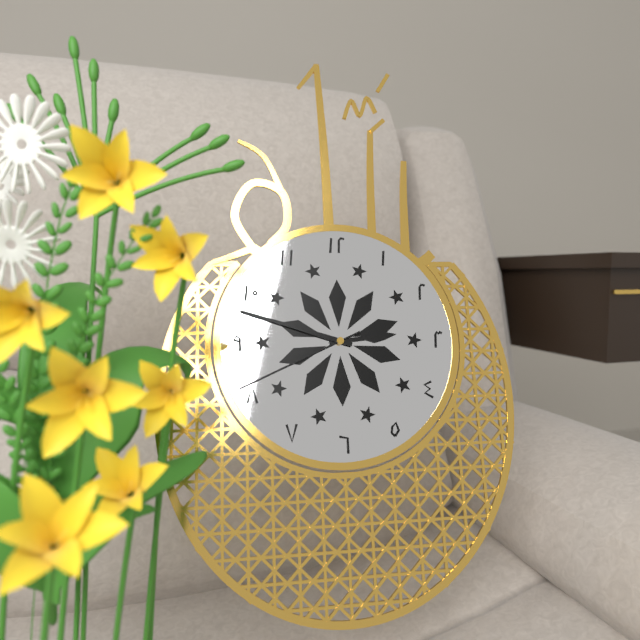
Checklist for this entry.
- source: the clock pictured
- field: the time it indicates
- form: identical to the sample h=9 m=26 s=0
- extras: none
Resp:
h=2 m=48 s=41
